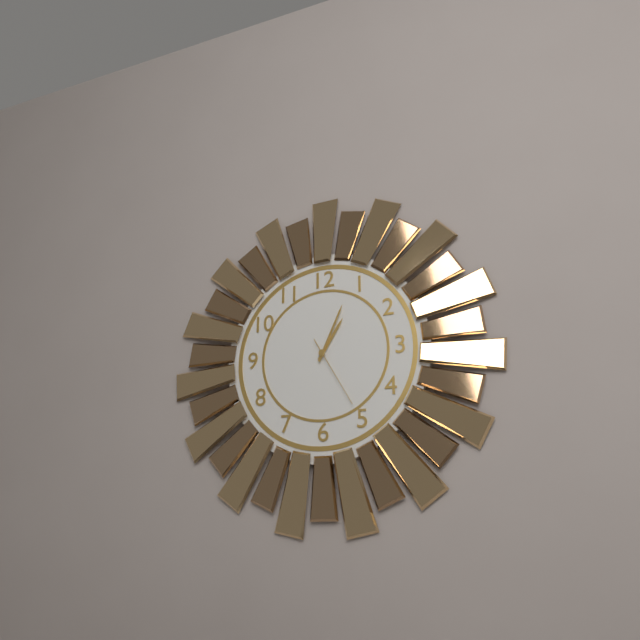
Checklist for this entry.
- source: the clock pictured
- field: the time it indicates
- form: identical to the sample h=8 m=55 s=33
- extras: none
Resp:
h=1 m=4 s=25
